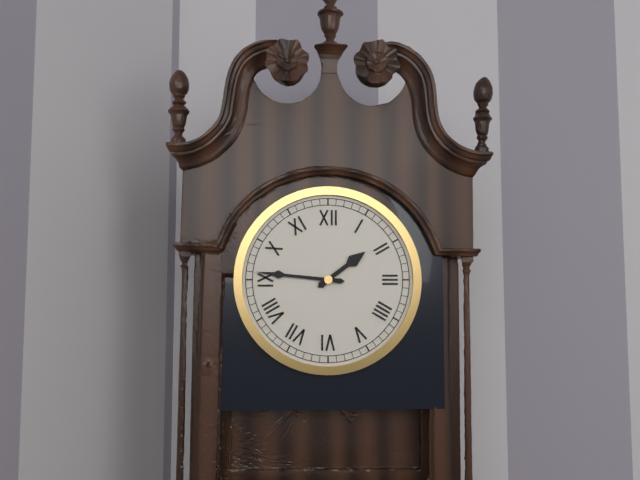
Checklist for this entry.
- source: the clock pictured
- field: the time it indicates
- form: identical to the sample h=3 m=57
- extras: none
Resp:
h=1 m=46
